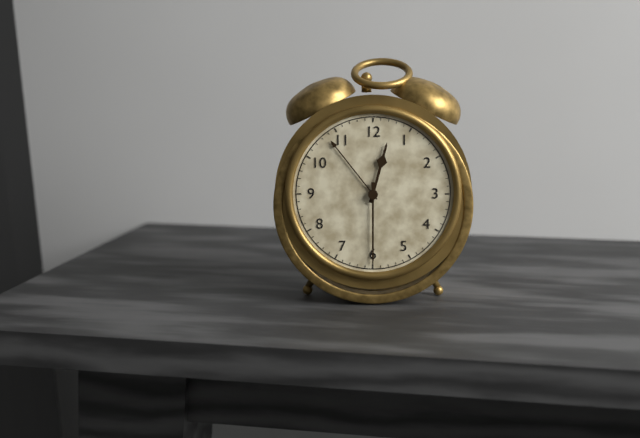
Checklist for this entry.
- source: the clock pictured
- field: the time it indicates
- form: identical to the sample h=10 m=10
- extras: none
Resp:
h=12 m=30
